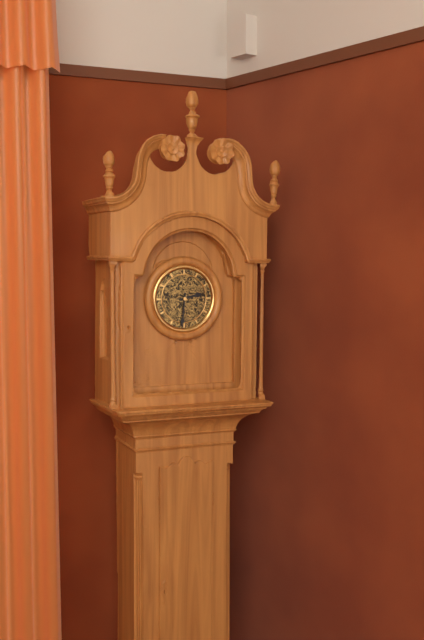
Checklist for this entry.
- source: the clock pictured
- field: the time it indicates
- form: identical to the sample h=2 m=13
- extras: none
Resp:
h=2 m=31
